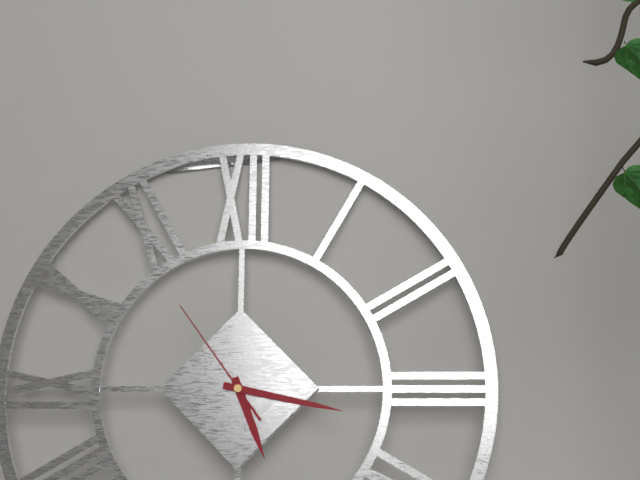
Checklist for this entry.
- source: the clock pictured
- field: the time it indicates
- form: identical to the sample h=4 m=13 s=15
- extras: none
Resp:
h=5 m=17 s=54
